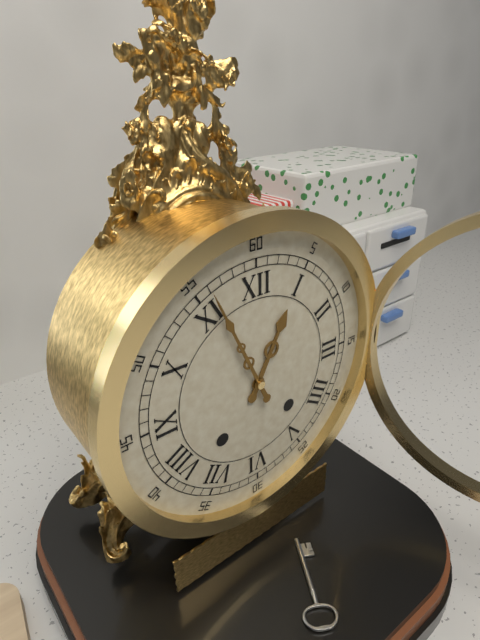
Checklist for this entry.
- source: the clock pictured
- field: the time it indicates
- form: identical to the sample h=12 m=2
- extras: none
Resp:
h=12 m=56
